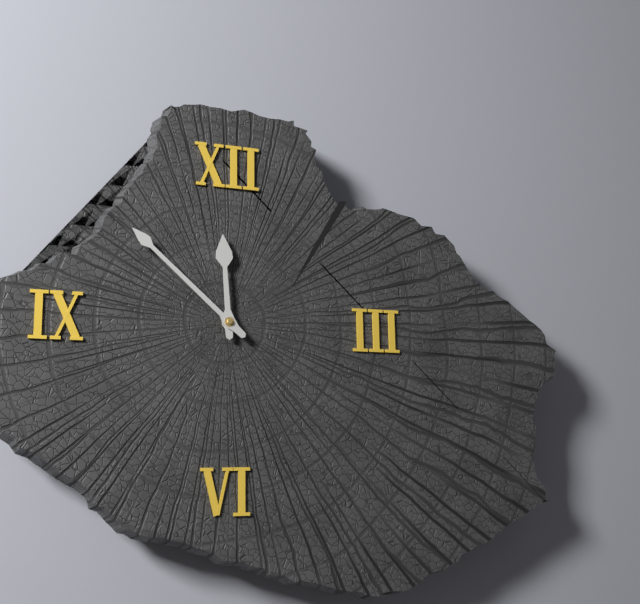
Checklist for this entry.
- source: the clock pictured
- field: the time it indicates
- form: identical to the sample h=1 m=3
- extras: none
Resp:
h=11 m=52
